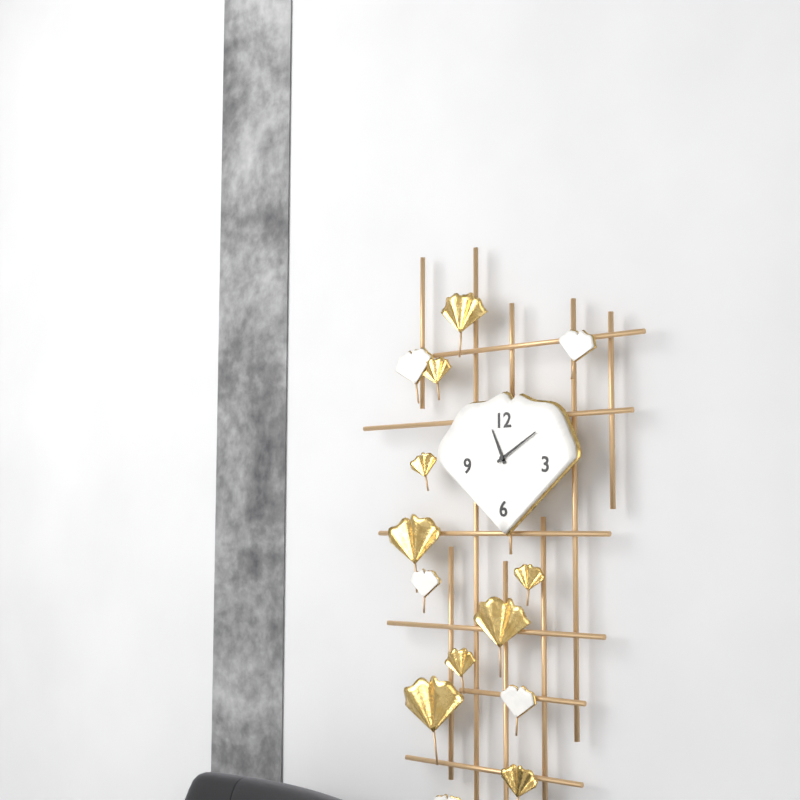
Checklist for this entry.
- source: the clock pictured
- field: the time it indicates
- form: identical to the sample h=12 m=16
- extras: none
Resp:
h=11 m=10
